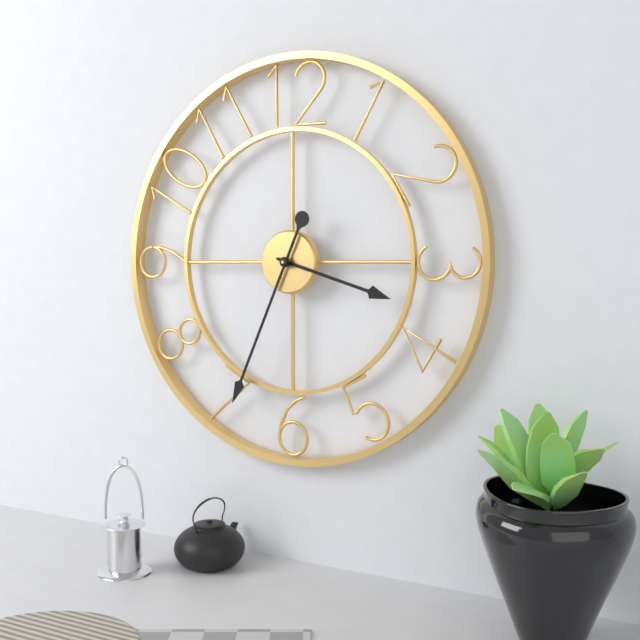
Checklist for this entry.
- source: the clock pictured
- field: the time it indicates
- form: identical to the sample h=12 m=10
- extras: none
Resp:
h=3 m=34
